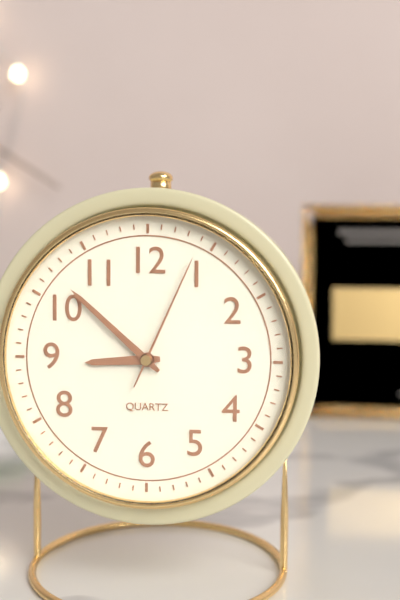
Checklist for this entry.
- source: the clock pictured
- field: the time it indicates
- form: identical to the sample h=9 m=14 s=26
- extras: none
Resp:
h=8 m=52 s=4
